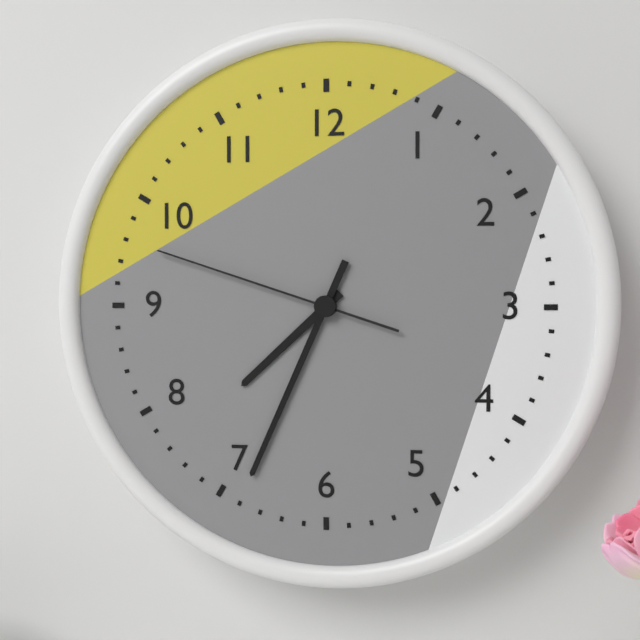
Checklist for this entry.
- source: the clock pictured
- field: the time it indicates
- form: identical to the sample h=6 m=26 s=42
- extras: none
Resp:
h=7 m=34 s=48
